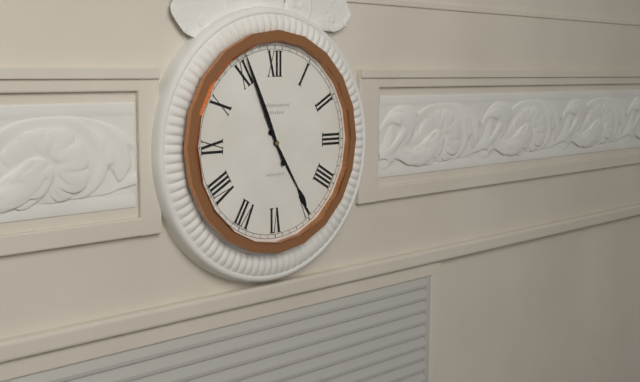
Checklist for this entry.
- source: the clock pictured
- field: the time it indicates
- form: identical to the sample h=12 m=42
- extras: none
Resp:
h=4 m=56
